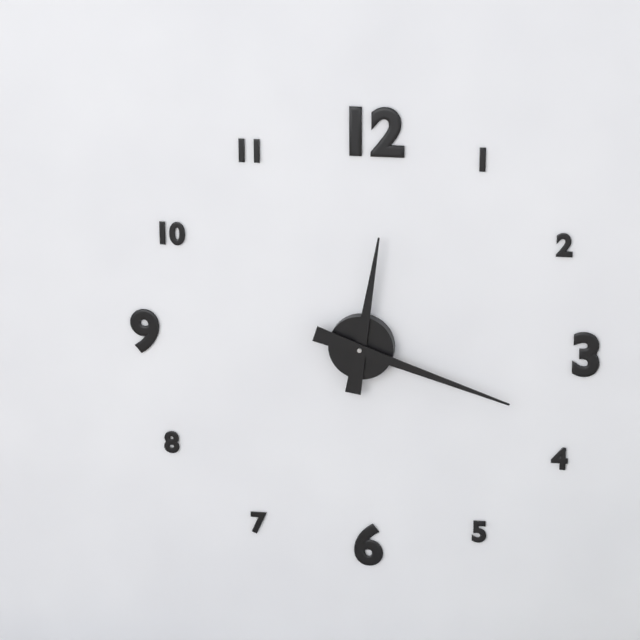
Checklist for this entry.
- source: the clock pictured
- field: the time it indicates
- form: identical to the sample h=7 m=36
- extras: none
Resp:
h=12 m=18
